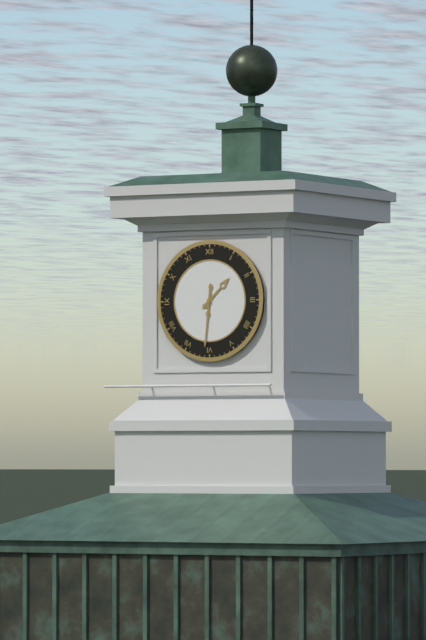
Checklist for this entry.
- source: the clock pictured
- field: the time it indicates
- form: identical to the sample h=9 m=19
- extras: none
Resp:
h=1 m=31
